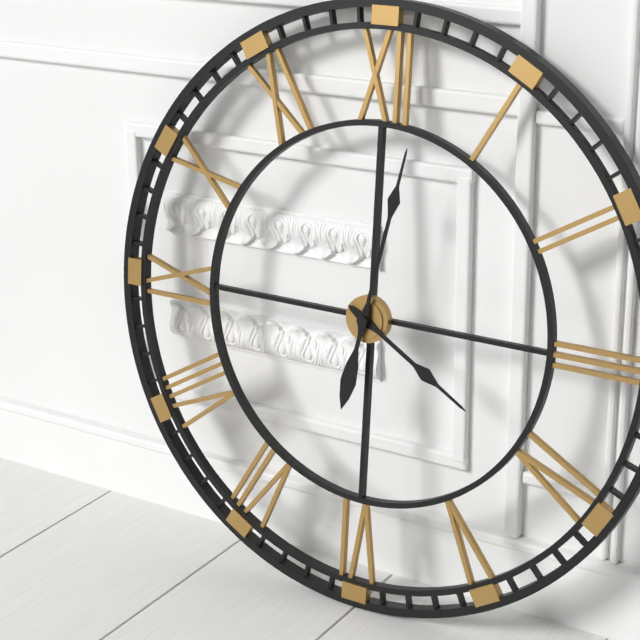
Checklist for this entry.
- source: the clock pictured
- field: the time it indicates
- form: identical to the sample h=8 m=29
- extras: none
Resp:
h=4 m=2
